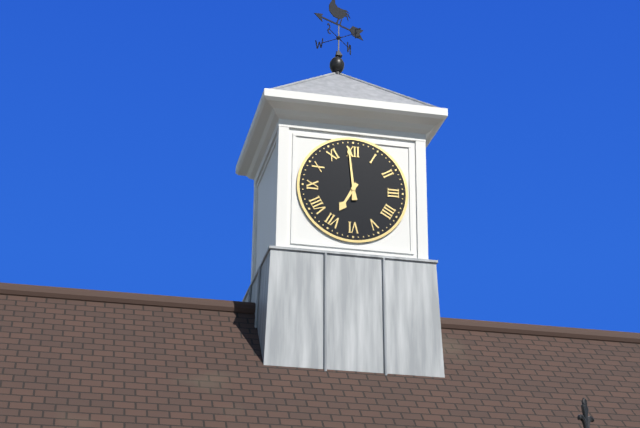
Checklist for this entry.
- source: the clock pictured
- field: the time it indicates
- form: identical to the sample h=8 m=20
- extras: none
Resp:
h=6 m=59
